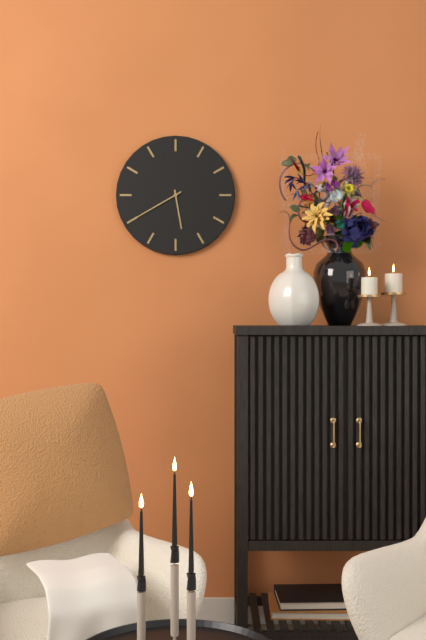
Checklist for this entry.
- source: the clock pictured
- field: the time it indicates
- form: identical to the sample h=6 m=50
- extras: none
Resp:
h=5 m=40
